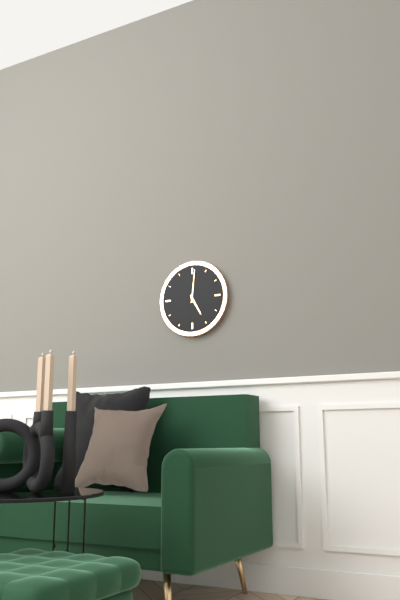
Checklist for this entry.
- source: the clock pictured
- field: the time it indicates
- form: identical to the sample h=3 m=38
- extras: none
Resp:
h=5 m=1
